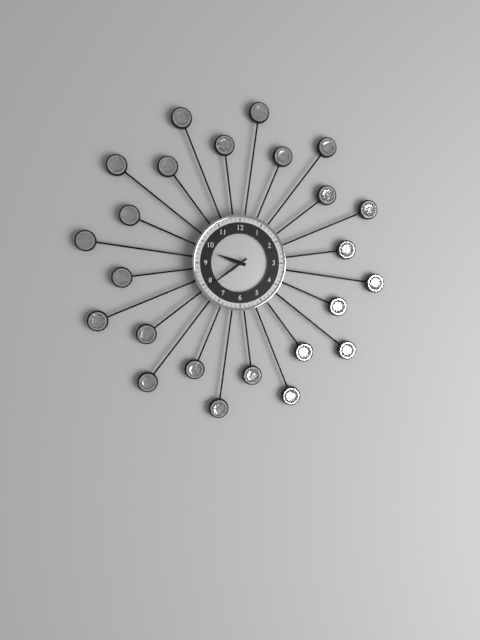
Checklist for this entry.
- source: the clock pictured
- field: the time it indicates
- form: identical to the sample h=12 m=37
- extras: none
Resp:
h=9 m=39
